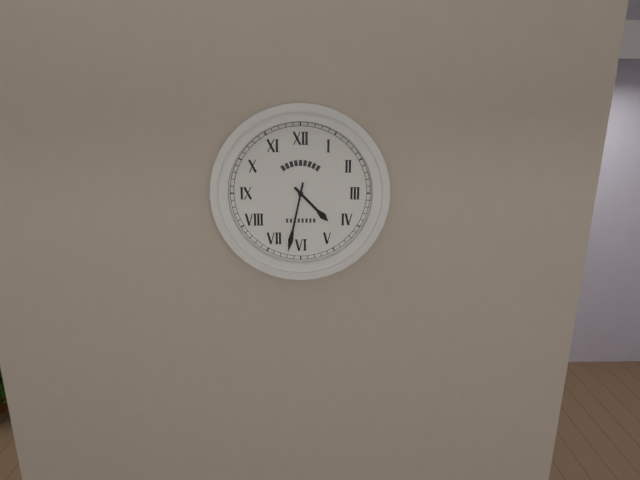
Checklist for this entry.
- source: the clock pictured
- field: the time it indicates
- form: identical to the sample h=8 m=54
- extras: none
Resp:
h=4 m=32
